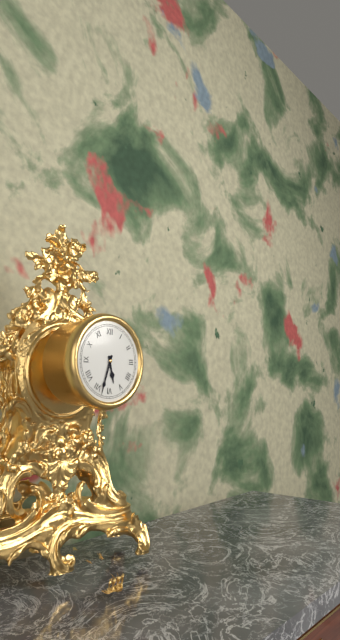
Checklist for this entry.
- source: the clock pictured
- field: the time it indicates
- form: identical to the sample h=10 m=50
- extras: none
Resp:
h=5 m=33
